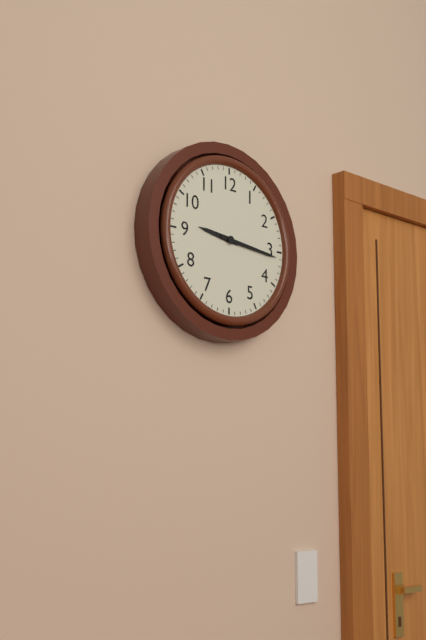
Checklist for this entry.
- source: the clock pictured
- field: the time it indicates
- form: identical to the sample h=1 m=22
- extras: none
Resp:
h=9 m=16
